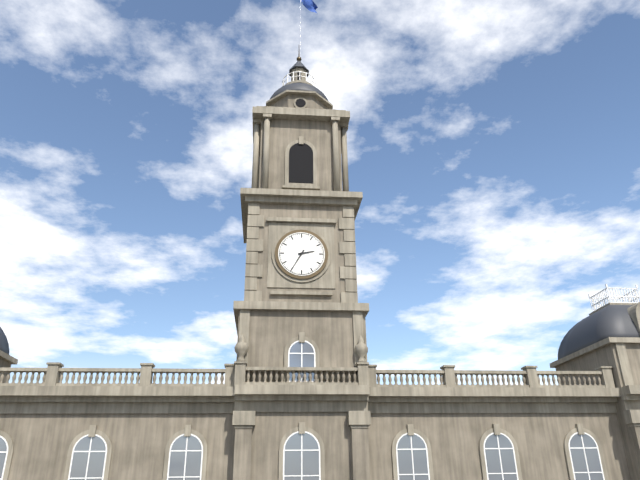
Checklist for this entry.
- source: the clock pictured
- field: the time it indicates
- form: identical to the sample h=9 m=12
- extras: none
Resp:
h=2 m=35
